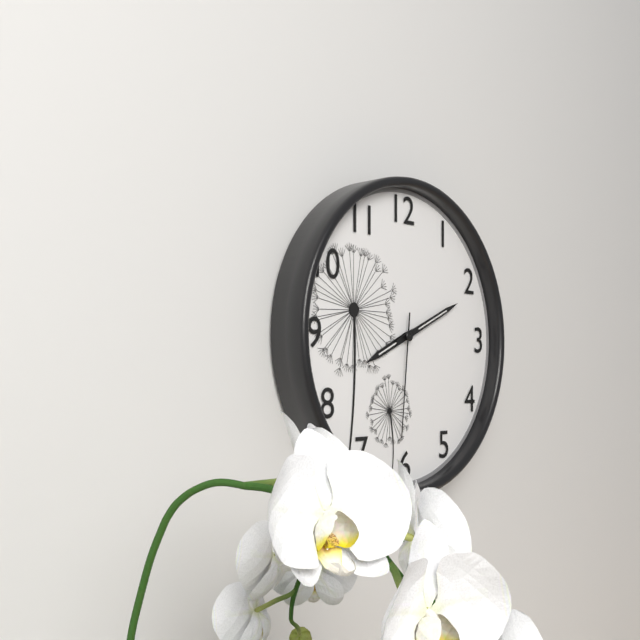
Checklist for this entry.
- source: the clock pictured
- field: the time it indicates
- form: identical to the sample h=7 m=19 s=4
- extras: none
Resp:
h=8 m=11 s=31
